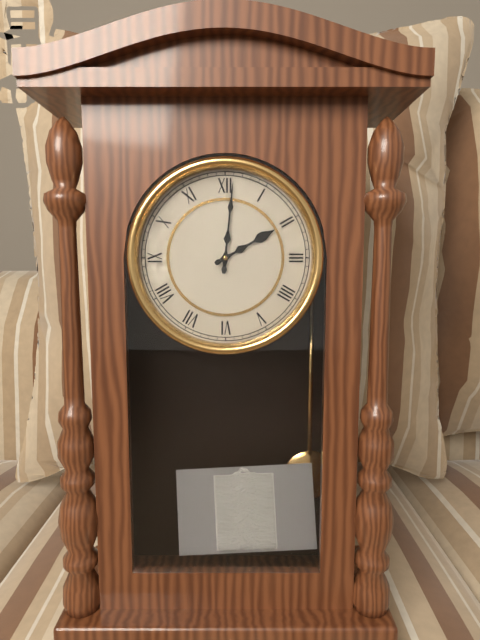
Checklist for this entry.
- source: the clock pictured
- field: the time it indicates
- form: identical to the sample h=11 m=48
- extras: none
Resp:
h=2 m=1
